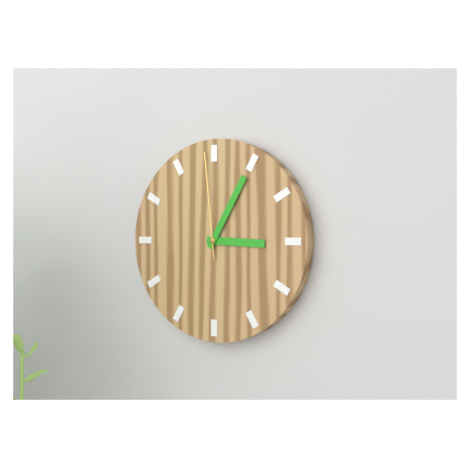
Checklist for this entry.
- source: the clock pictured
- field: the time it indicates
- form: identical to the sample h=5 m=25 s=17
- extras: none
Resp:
h=3 m=5 s=59
